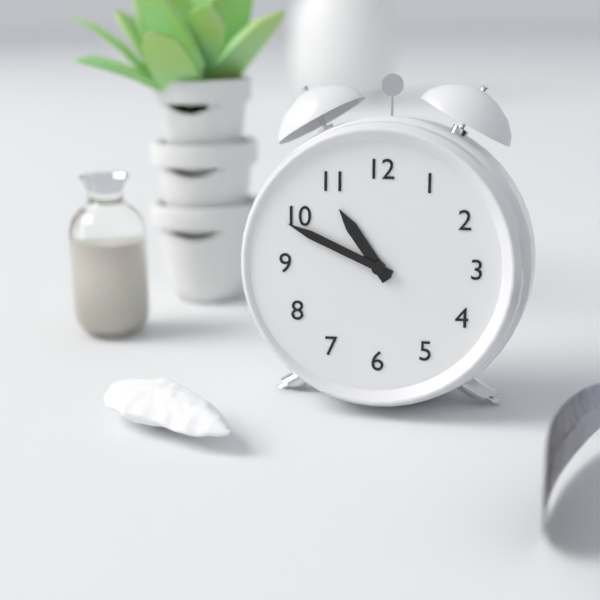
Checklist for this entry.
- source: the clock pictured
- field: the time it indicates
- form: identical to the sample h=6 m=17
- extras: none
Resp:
h=10 m=49
